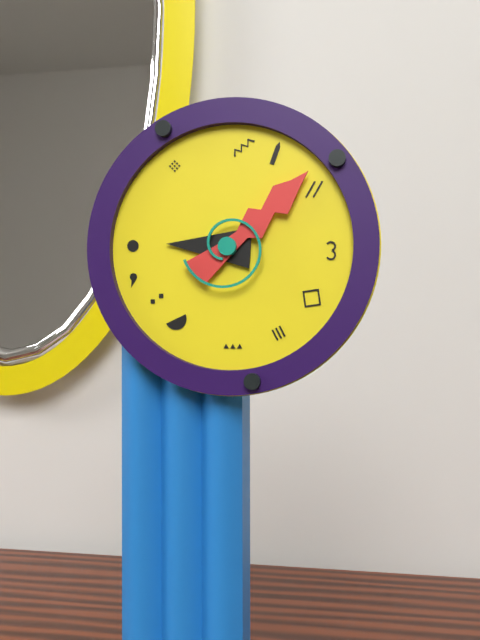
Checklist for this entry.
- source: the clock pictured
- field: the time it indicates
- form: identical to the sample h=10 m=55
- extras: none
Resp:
h=9 m=8
